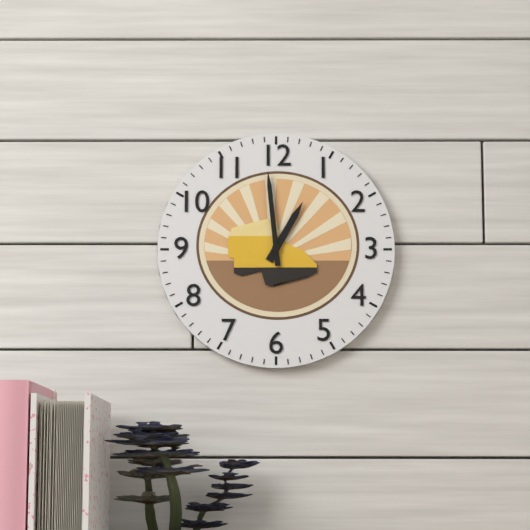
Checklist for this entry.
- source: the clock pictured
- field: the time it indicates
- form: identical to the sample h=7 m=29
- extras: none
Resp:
h=12 m=59
